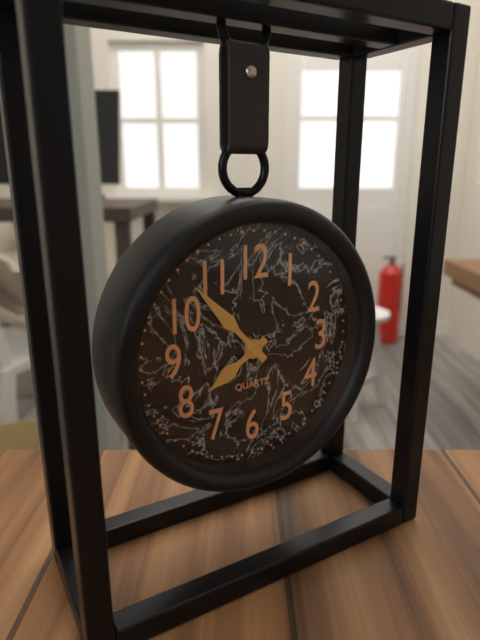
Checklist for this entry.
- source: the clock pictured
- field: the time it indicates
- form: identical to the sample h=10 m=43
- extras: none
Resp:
h=7 m=53
